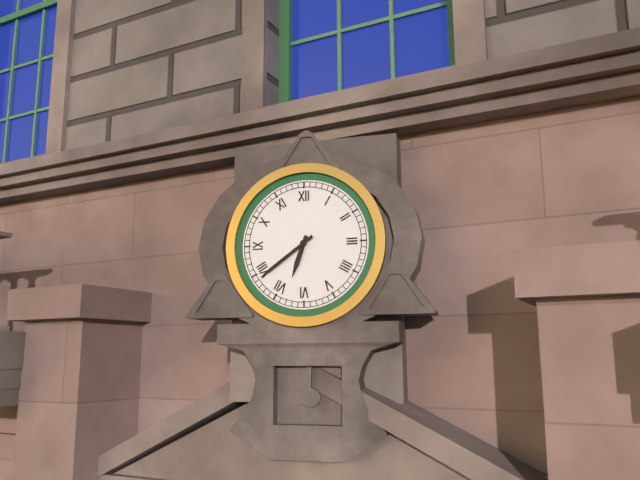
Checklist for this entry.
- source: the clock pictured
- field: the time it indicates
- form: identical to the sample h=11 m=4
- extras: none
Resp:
h=6 m=39
